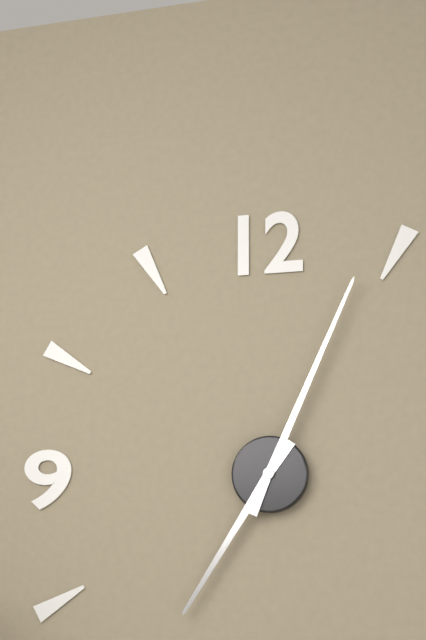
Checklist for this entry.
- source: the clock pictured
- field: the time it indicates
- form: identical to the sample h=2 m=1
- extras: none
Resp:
h=7 m=4
